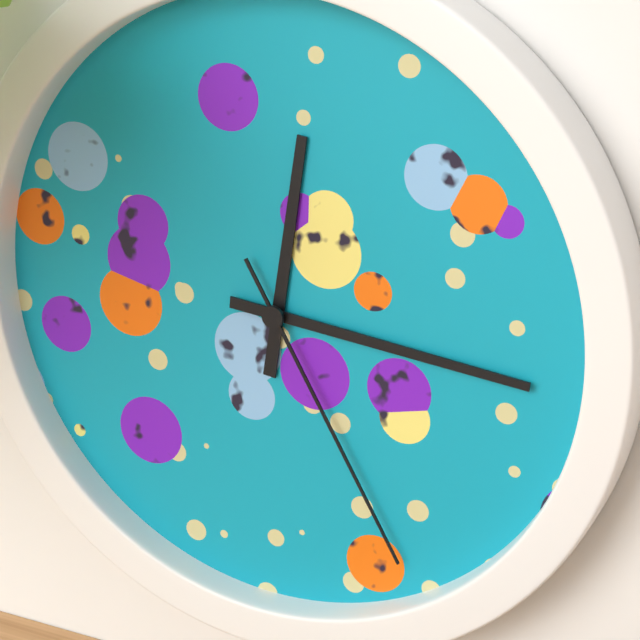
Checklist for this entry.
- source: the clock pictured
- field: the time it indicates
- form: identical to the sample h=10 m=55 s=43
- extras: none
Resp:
h=12 m=16 s=25
